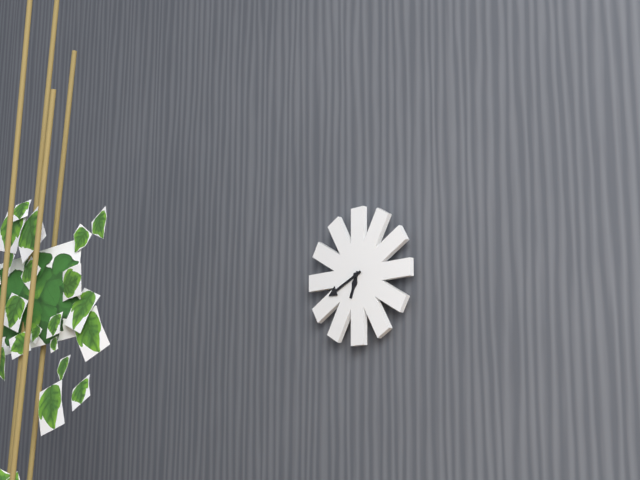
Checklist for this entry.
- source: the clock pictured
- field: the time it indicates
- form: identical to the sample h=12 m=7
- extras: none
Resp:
h=6 m=41
